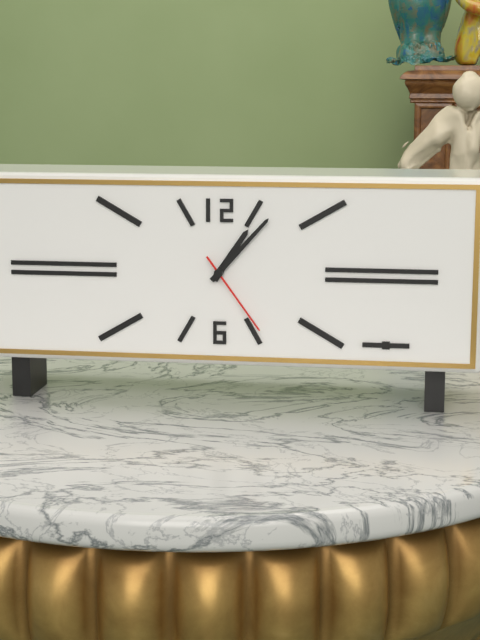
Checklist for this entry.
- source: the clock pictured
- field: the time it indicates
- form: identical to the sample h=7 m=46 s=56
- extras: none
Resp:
h=1 m=7 s=24
